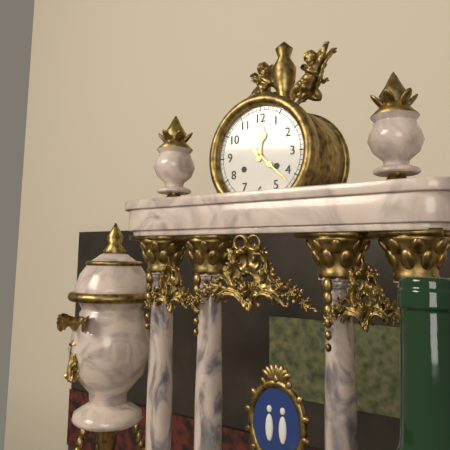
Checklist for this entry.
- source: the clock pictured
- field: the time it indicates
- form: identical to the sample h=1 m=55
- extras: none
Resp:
h=12 m=22
